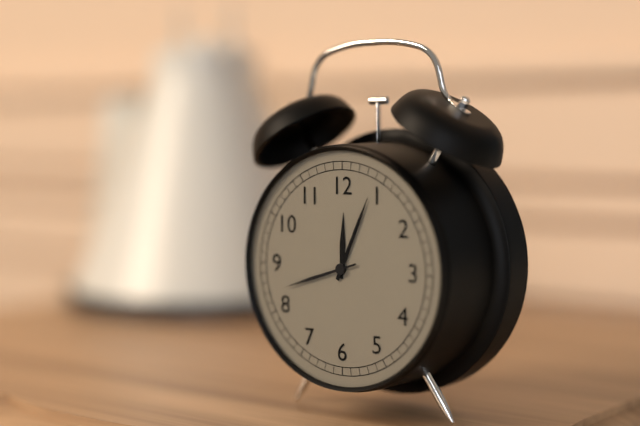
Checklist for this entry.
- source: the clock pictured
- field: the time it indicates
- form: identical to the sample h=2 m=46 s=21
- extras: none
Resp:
h=12 m=4 s=42
